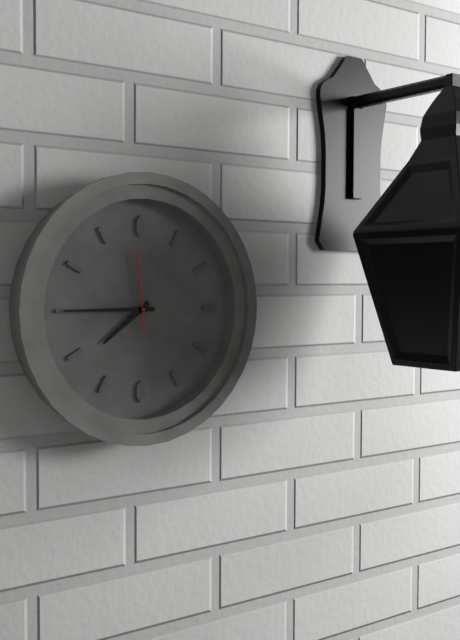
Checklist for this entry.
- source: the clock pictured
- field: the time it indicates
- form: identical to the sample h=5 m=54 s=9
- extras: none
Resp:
h=7 m=45 s=59
